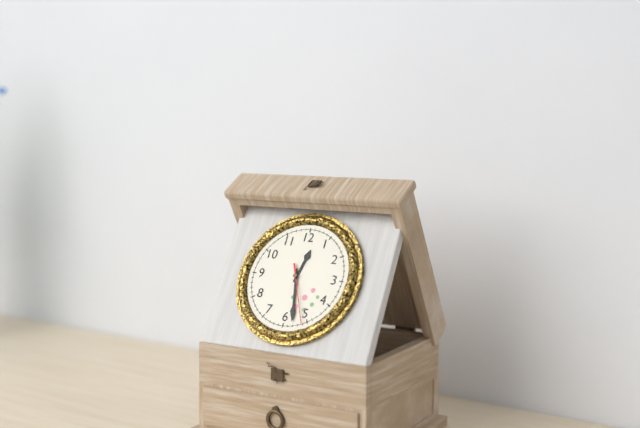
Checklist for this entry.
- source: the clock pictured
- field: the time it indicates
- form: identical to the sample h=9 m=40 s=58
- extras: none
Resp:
h=12 m=28 s=26
